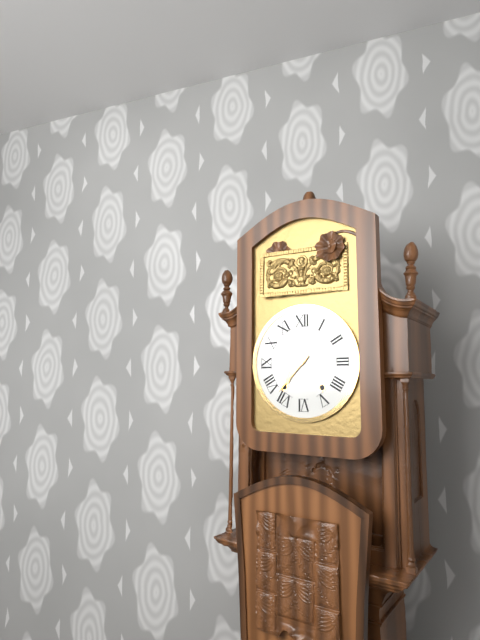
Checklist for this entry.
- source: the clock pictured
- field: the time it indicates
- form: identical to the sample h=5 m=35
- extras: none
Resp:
h=7 m=37
